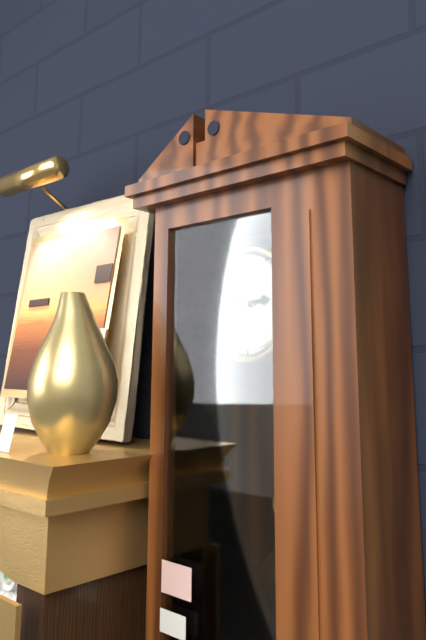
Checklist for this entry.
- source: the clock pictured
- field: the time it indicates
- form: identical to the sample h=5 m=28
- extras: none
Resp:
h=2 m=49
